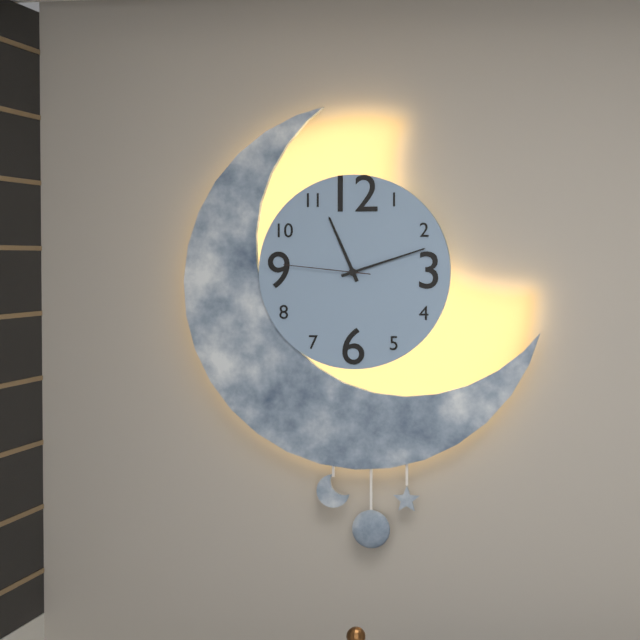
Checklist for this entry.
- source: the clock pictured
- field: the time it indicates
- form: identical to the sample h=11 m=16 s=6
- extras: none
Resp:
h=11 m=12 s=46
